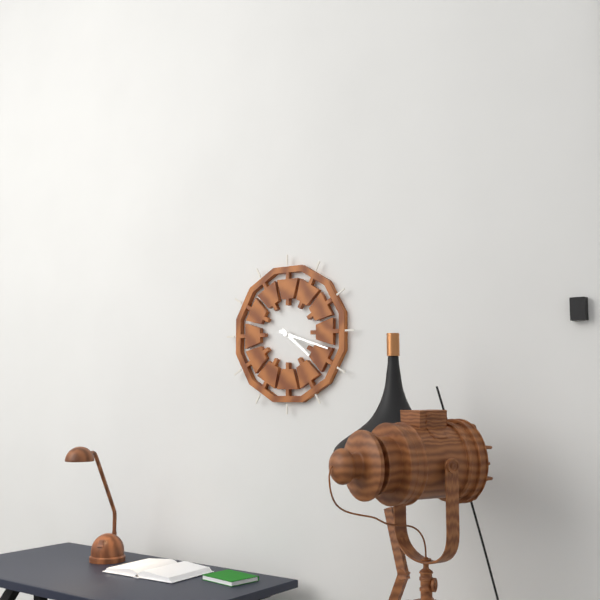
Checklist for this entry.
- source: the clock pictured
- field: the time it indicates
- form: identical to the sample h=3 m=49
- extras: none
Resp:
h=4 m=18
